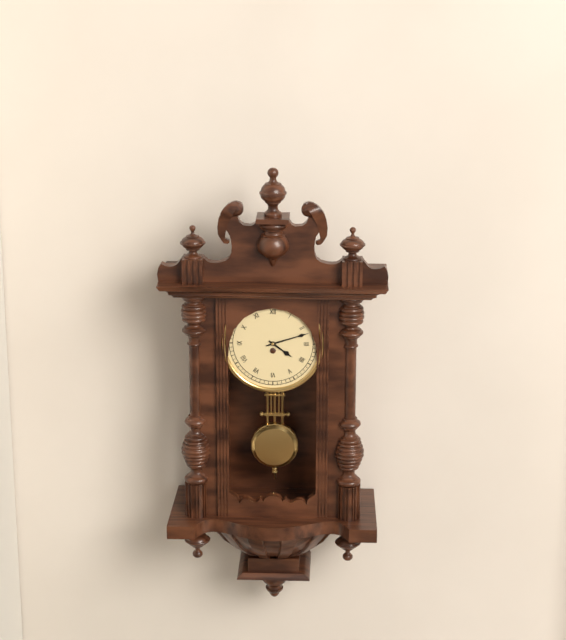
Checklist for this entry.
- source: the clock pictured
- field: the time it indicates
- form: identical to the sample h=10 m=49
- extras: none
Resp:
h=4 m=12
